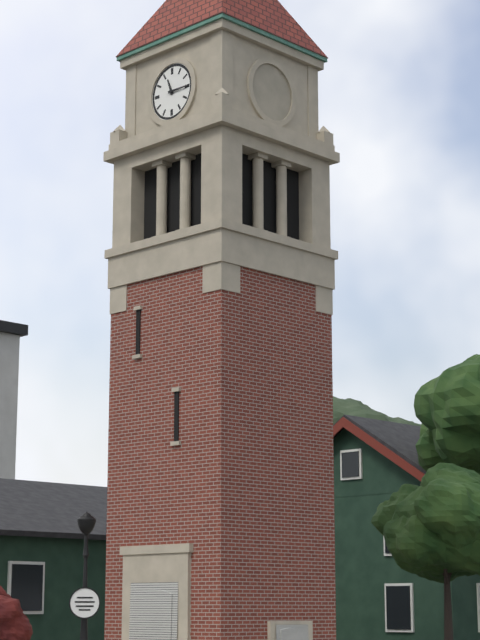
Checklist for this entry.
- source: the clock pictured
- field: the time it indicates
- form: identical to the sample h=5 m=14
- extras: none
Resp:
h=11 m=15
